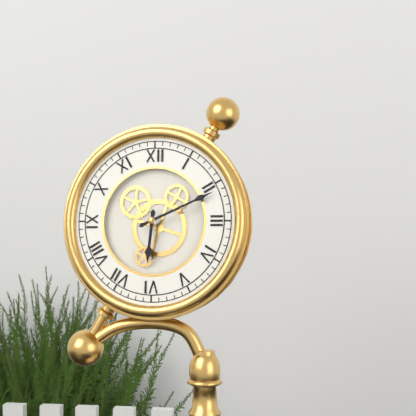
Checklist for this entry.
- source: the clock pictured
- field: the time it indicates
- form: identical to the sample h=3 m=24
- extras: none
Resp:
h=6 m=11
